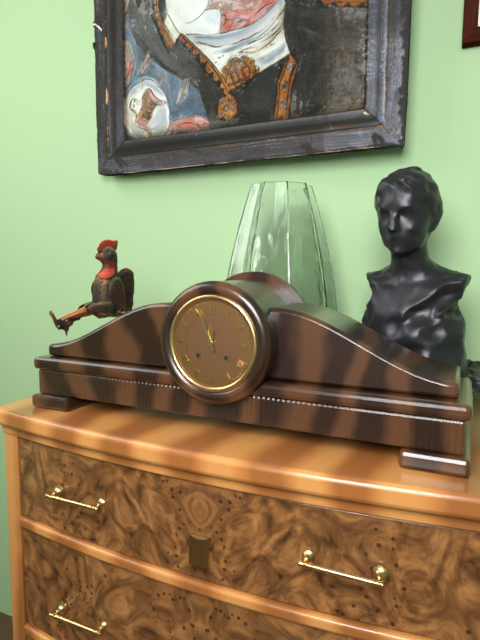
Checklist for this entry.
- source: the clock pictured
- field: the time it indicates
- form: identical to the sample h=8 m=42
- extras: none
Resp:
h=11 m=56
